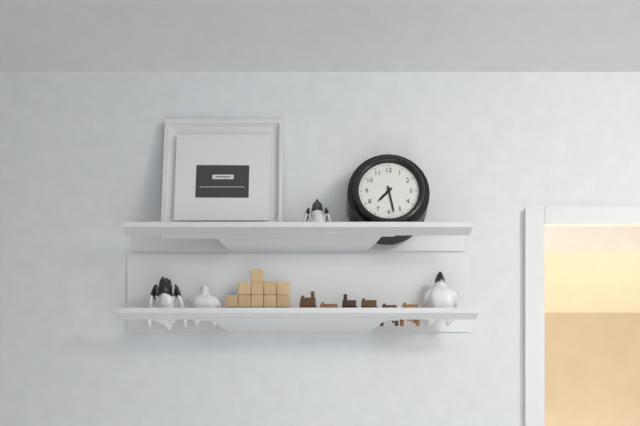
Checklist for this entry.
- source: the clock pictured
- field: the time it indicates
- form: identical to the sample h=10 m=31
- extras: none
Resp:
h=7 m=28
